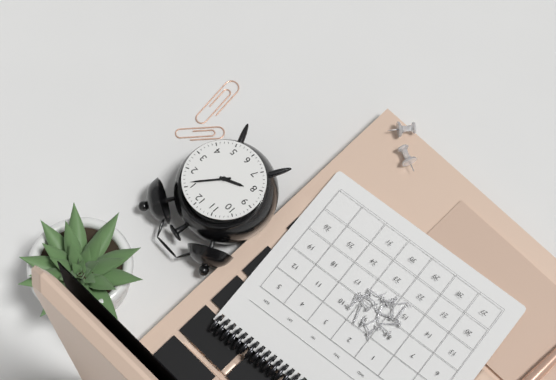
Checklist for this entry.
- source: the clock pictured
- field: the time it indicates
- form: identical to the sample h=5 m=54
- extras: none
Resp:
h=8 m=6
